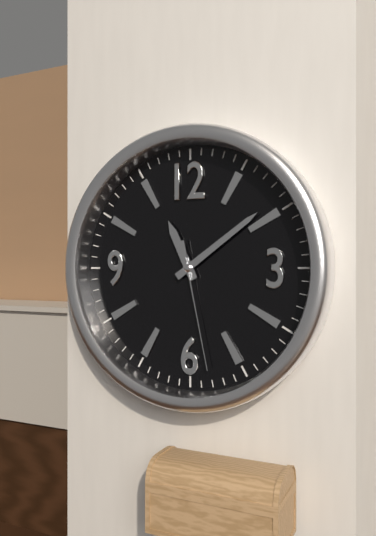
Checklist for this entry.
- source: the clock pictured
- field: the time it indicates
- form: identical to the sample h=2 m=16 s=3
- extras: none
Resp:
h=11 m=9 s=28
